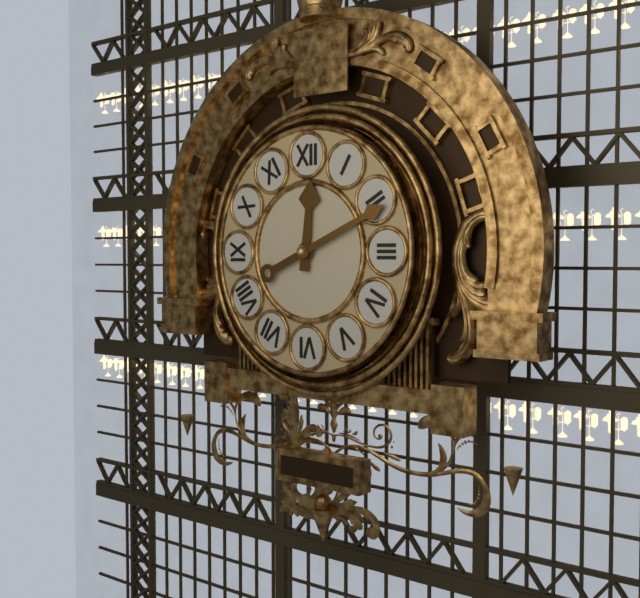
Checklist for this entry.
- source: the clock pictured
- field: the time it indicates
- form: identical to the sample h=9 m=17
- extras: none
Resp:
h=12 m=11
